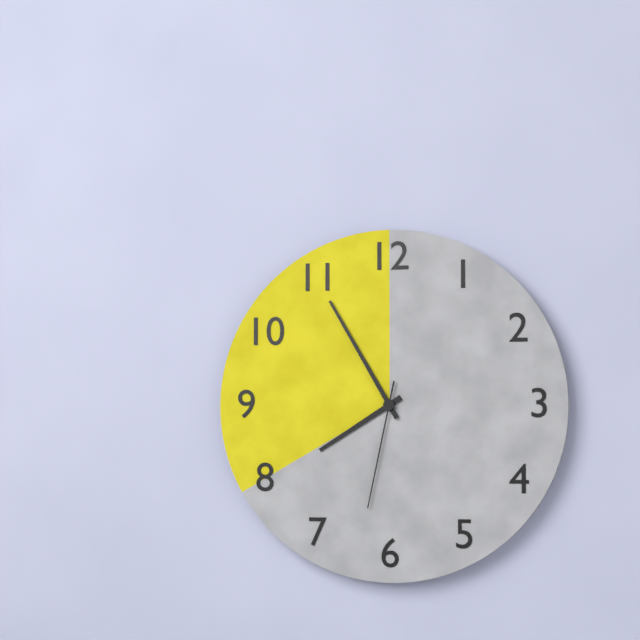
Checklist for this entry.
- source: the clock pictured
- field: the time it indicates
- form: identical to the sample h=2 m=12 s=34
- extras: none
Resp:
h=7 m=55 s=32
